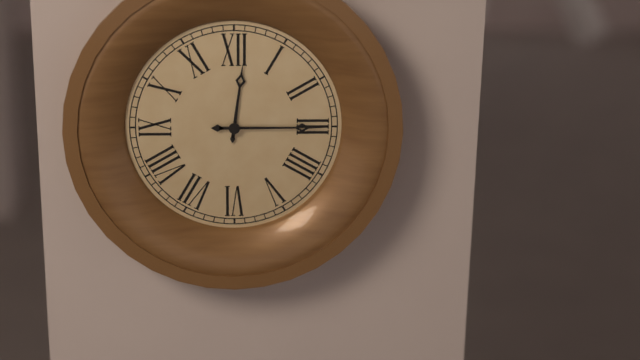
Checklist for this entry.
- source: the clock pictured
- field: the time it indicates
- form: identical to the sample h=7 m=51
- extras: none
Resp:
h=12 m=15
